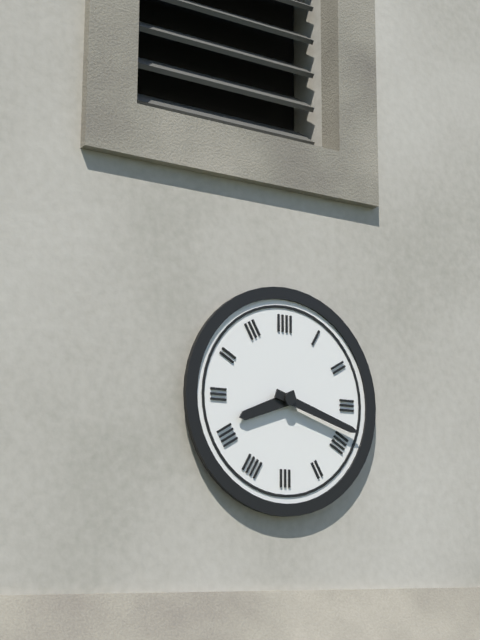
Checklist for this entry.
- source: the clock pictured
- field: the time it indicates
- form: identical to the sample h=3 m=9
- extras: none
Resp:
h=8 m=18
